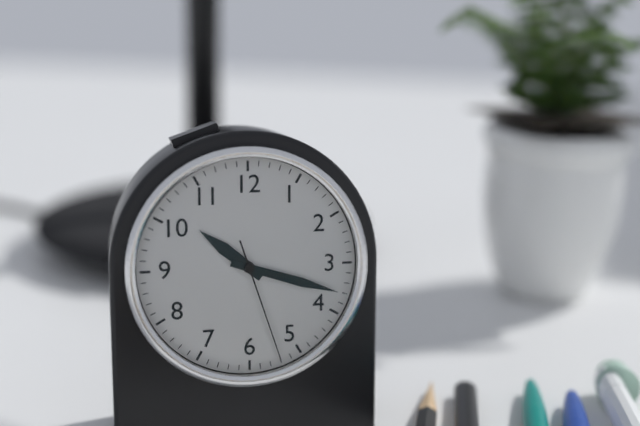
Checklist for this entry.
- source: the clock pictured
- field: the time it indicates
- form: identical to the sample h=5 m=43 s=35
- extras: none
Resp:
h=10 m=18 s=27
